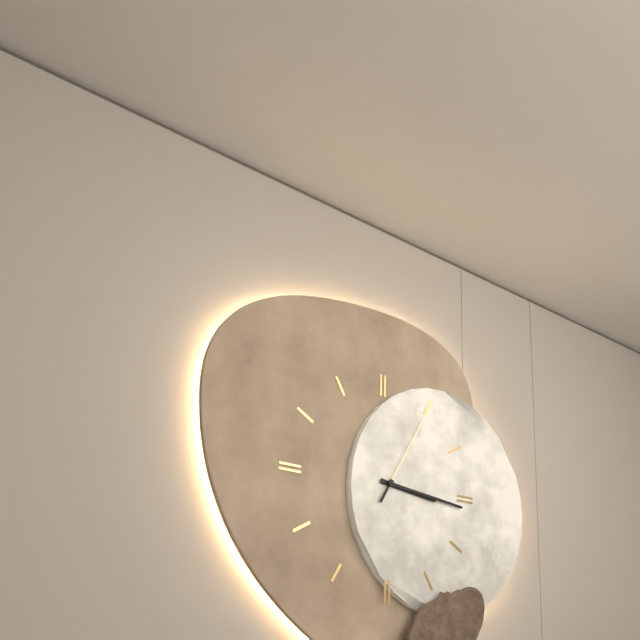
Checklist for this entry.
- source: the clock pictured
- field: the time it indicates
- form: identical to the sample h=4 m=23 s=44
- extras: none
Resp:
h=3 m=16 s=5
